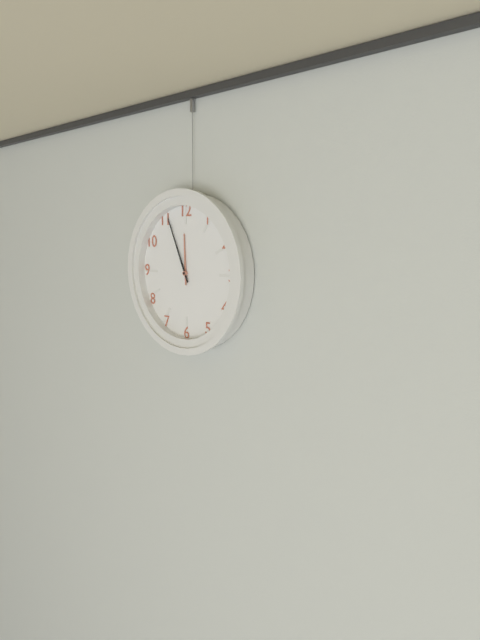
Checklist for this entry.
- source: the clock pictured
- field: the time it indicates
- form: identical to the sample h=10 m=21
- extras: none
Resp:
h=11 m=56
